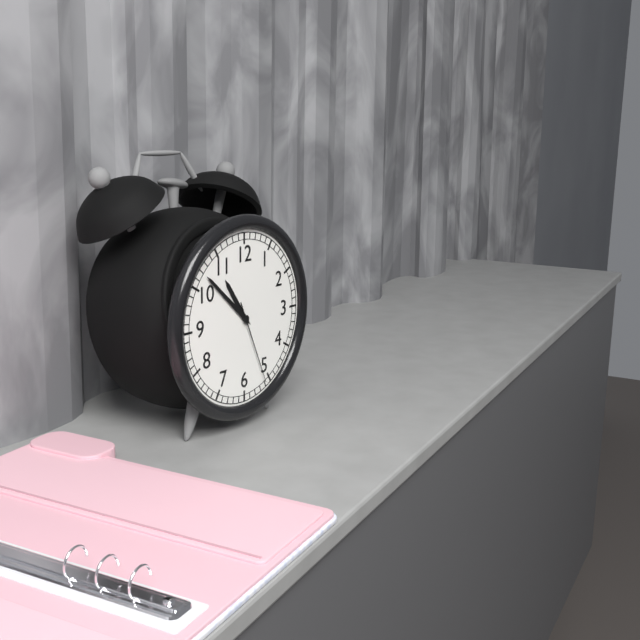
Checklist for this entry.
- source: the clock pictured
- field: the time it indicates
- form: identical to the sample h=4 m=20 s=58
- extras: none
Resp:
h=10 m=52 s=26
